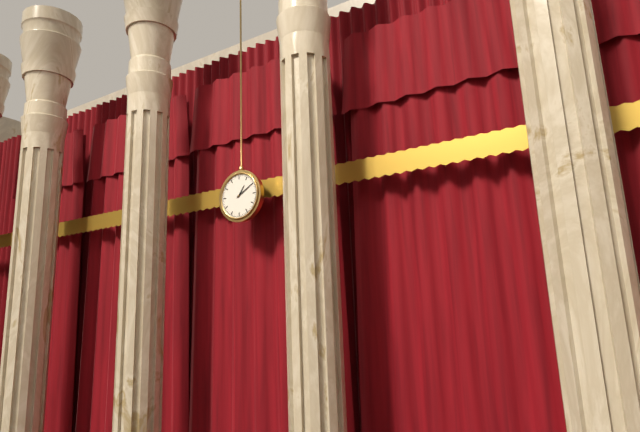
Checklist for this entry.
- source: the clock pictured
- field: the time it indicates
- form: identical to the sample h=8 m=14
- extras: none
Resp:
h=1 m=10
